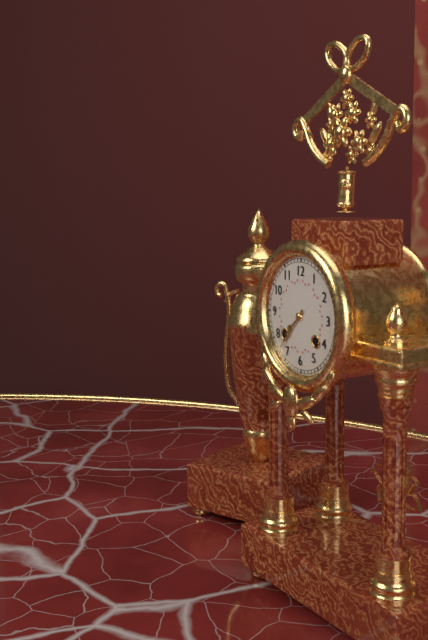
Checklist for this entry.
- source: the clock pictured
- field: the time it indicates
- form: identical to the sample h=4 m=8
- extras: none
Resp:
h=7 m=37
